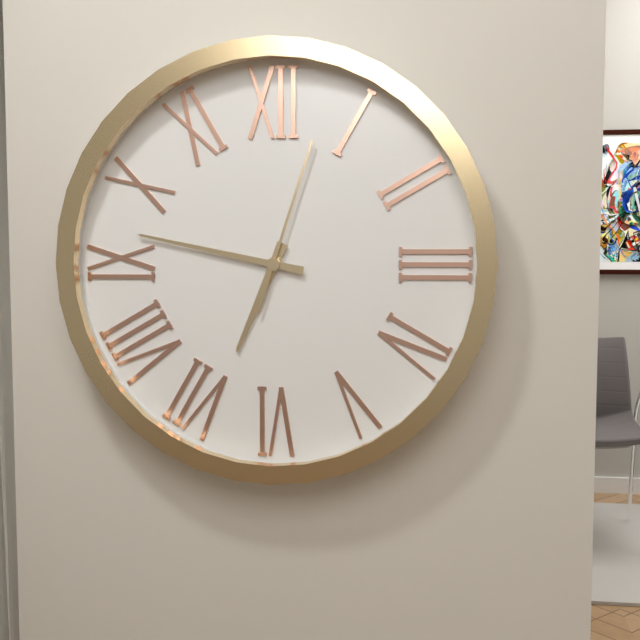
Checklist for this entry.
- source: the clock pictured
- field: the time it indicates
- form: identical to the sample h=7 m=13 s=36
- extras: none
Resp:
h=6 m=47 s=3
